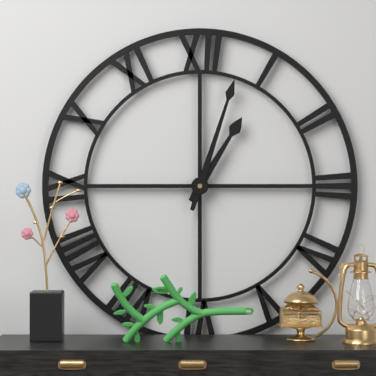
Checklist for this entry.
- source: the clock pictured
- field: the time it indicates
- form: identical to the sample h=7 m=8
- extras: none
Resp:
h=1 m=3
